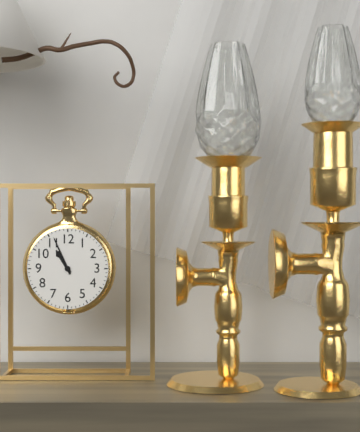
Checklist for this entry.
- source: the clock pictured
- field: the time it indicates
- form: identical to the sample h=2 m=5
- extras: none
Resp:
h=10 m=56
